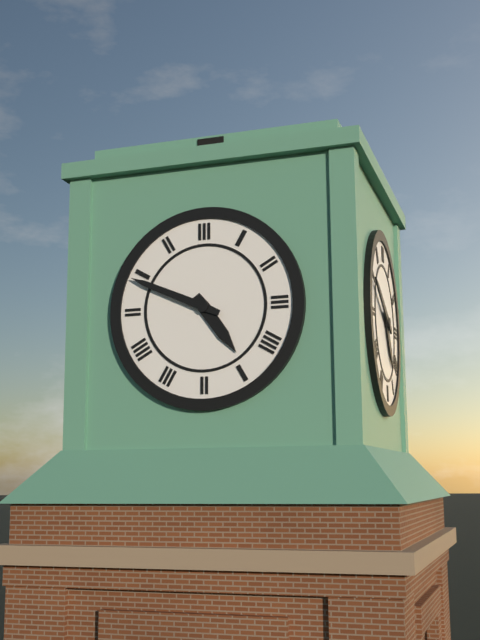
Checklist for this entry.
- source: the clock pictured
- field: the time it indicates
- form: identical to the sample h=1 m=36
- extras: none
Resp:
h=4 m=49
